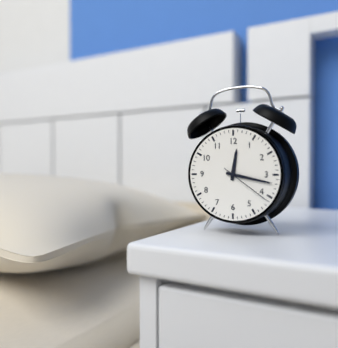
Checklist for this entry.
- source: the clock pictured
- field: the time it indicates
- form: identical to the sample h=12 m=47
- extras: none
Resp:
h=12 m=17
